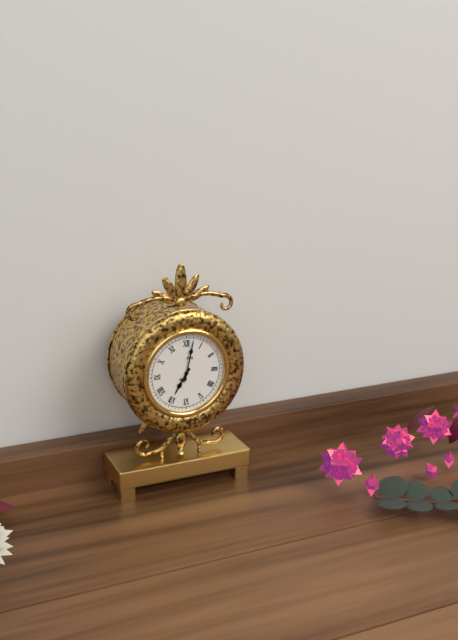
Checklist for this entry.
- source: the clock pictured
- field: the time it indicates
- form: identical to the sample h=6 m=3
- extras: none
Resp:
h=7 m=2
